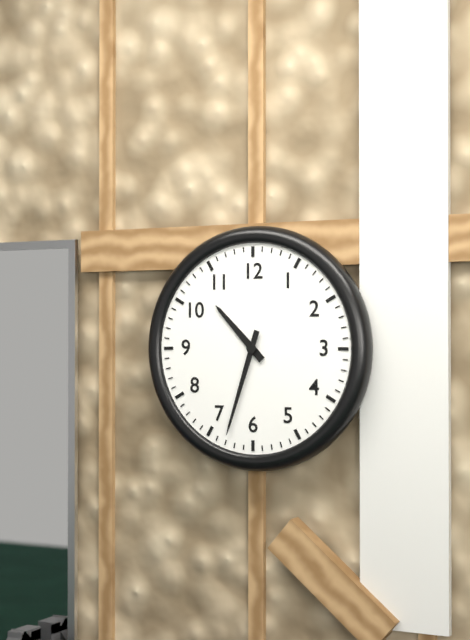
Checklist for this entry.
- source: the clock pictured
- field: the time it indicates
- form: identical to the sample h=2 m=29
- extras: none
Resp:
h=10 m=33
